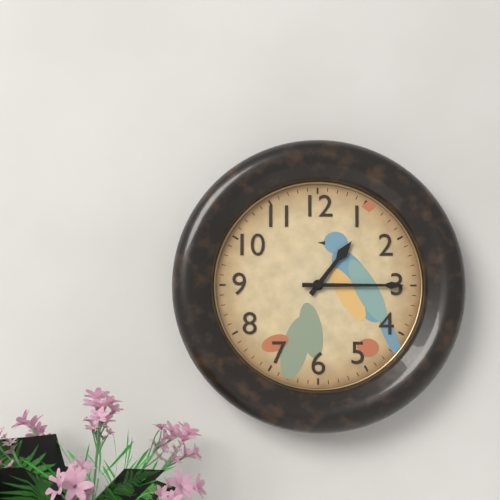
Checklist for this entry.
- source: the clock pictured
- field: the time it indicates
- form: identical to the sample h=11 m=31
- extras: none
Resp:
h=1 m=15
